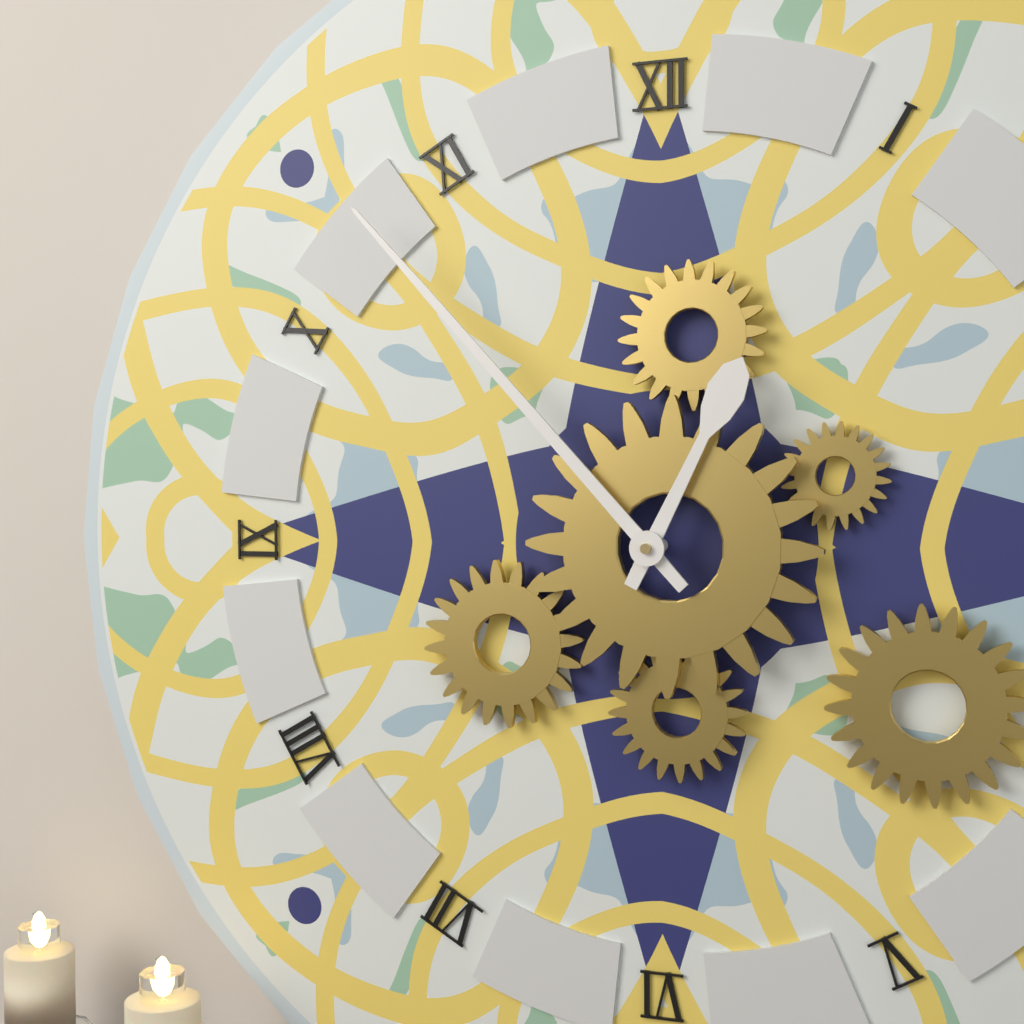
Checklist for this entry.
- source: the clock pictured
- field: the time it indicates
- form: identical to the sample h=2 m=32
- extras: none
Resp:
h=12 m=53
